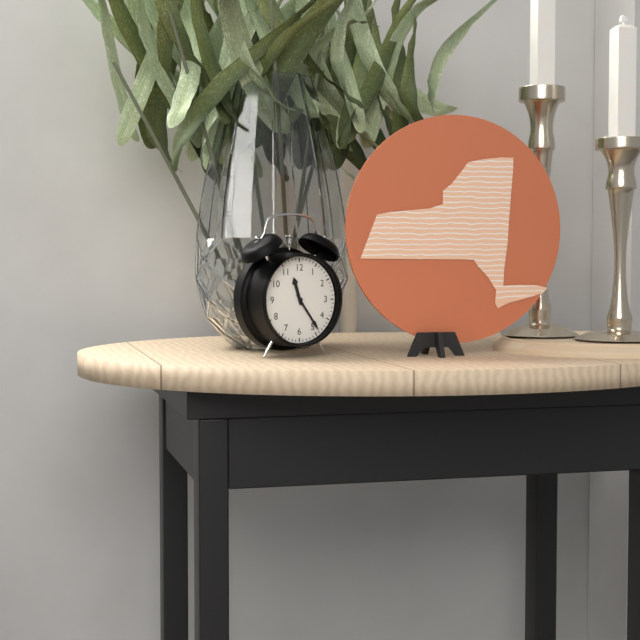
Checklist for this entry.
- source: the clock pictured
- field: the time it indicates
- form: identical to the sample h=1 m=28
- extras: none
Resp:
h=11 m=24
